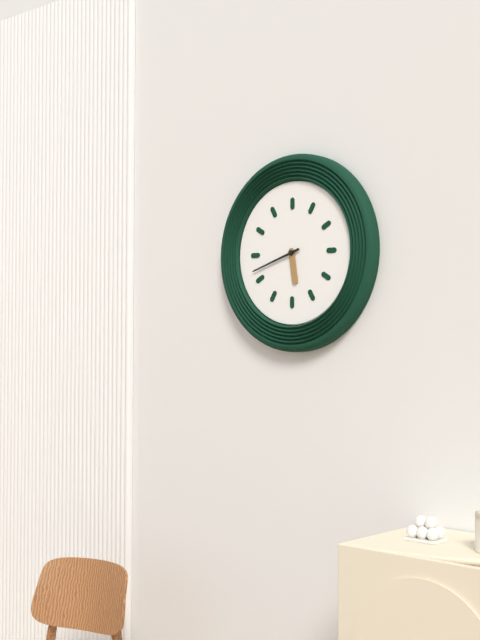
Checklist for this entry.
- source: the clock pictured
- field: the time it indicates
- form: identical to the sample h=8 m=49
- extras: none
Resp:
h=5 m=42
